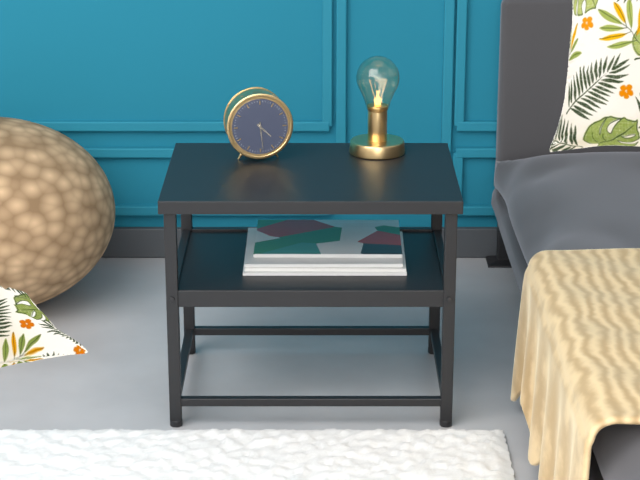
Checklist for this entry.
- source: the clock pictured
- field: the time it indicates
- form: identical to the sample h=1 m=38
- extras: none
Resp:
h=4 m=29
